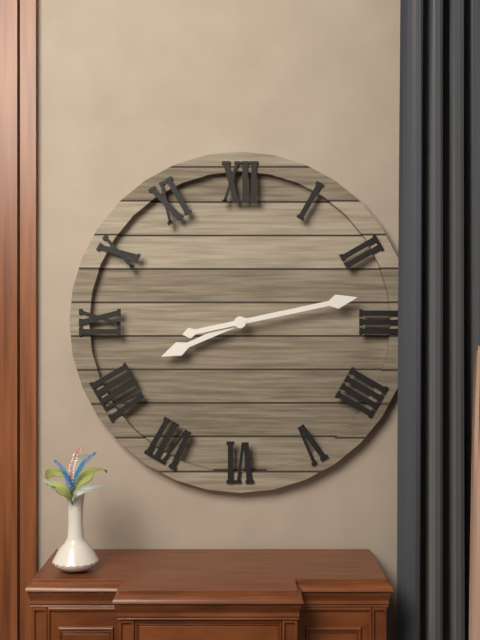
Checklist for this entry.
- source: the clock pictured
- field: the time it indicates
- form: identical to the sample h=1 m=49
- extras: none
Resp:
h=8 m=13
